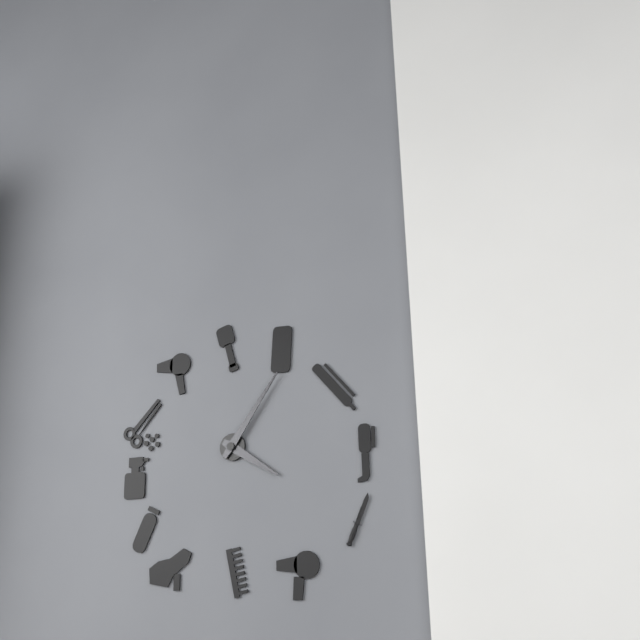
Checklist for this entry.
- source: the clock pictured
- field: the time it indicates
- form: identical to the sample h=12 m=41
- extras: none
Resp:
h=4 m=6
